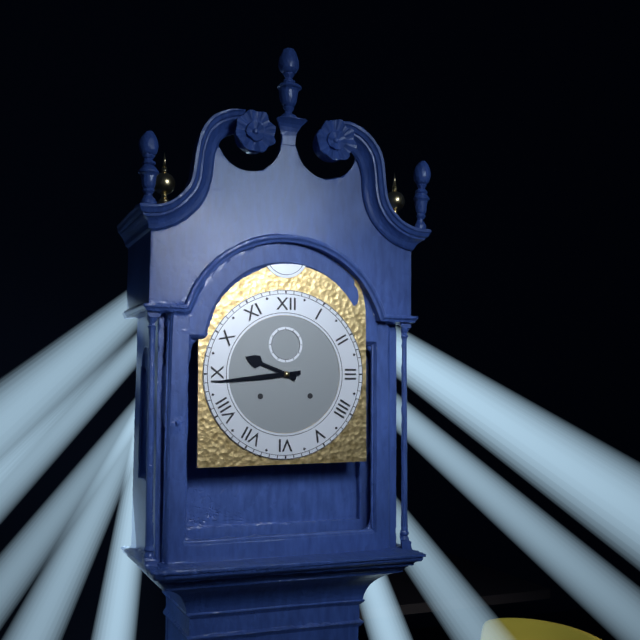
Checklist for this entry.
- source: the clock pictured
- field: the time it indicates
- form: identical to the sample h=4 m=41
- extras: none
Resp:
h=9 m=44
